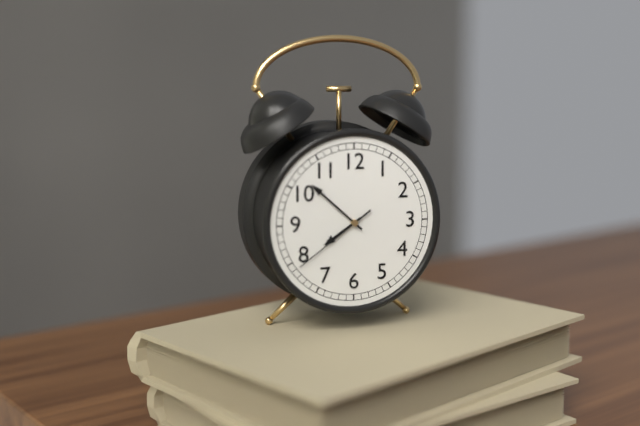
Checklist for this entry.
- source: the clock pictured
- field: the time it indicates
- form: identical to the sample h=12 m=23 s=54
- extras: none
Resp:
h=7 m=52 s=39
